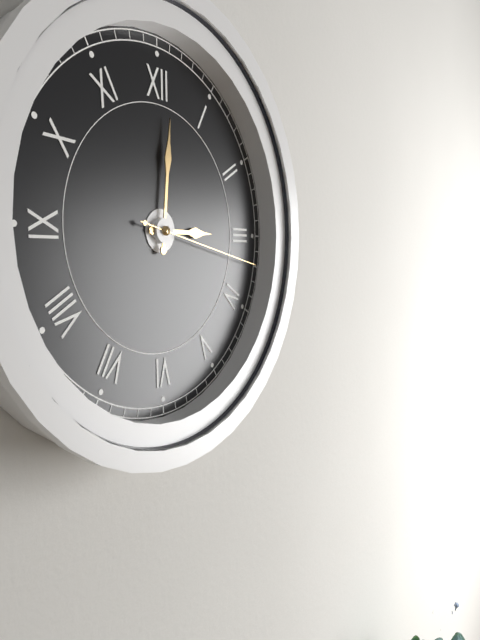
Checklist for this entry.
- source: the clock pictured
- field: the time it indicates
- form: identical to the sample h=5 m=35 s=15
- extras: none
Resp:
h=3 m=1 s=17
